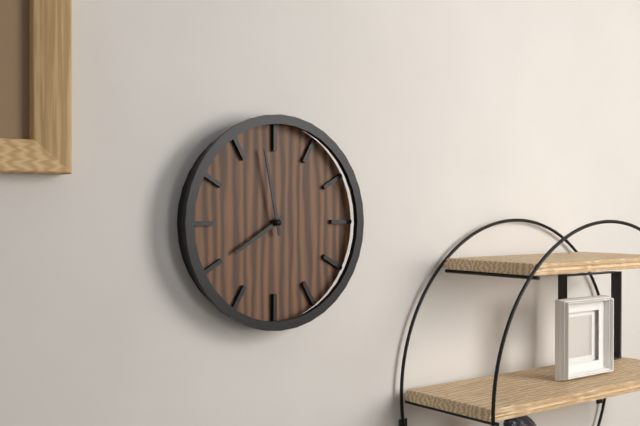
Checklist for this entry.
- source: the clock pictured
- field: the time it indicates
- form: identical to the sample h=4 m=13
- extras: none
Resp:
h=7 m=58
